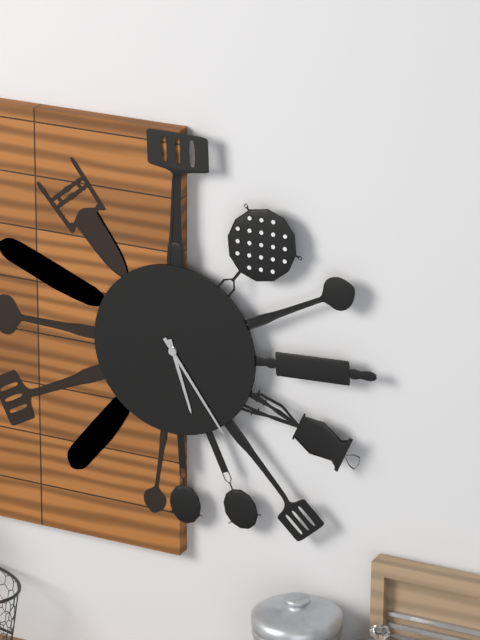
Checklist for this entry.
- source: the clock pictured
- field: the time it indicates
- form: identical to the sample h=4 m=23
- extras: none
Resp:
h=5 m=24
